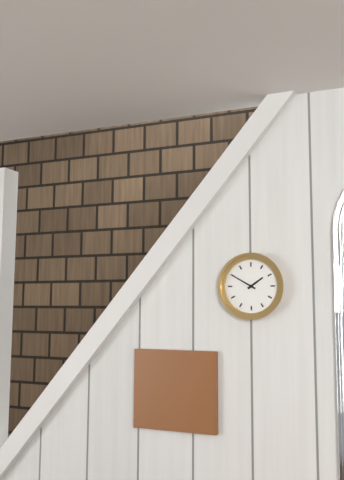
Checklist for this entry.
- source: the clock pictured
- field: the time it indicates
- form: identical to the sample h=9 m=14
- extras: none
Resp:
h=1 m=50
